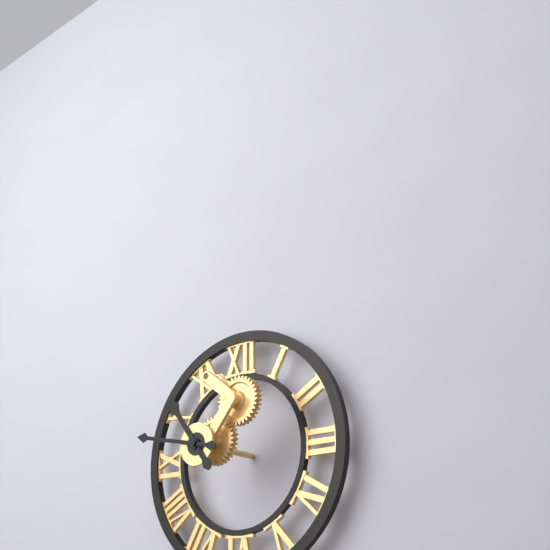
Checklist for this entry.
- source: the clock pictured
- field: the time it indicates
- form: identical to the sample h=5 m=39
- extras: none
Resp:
h=10 m=47
